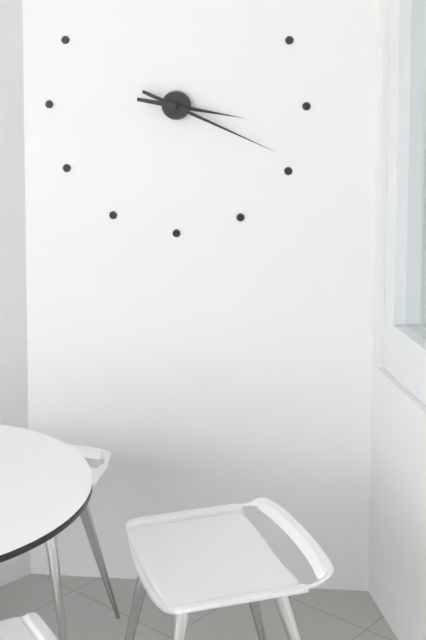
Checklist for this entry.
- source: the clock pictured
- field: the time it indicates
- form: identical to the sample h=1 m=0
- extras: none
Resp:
h=3 m=19
